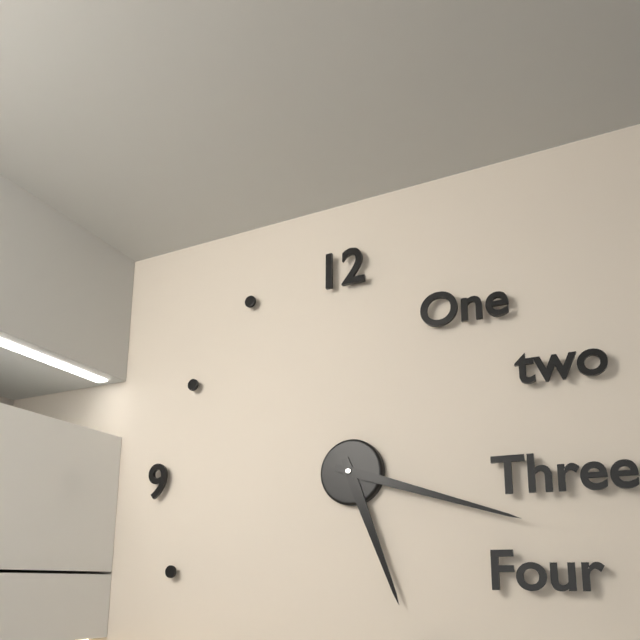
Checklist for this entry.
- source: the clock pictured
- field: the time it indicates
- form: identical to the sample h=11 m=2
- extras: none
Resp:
h=5 m=18
